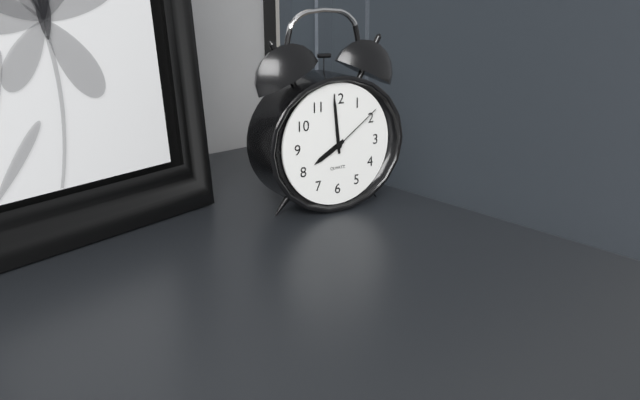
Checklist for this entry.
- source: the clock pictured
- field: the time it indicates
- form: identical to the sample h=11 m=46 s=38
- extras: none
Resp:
h=7 m=59 s=9
